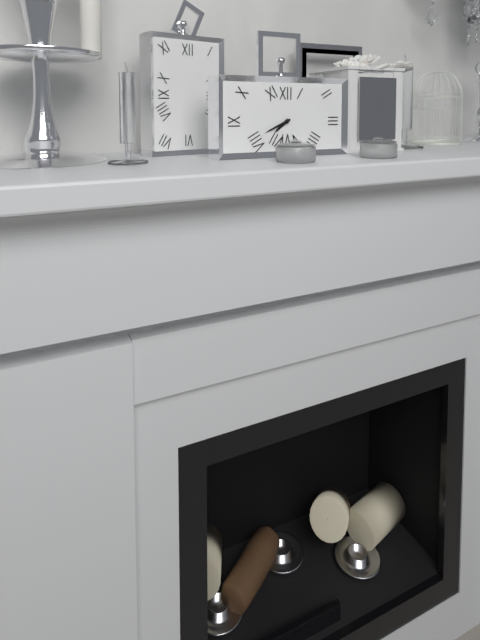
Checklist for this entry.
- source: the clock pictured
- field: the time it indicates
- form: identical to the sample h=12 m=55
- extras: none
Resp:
h=7 m=41
